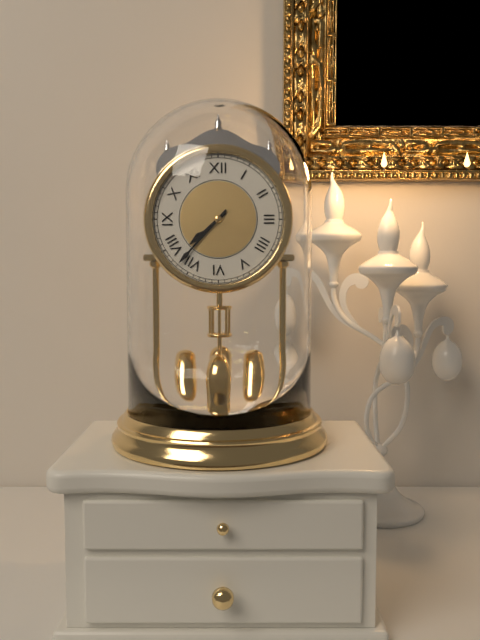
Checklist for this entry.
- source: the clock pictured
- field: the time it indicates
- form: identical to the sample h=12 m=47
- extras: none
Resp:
h=7 m=37
